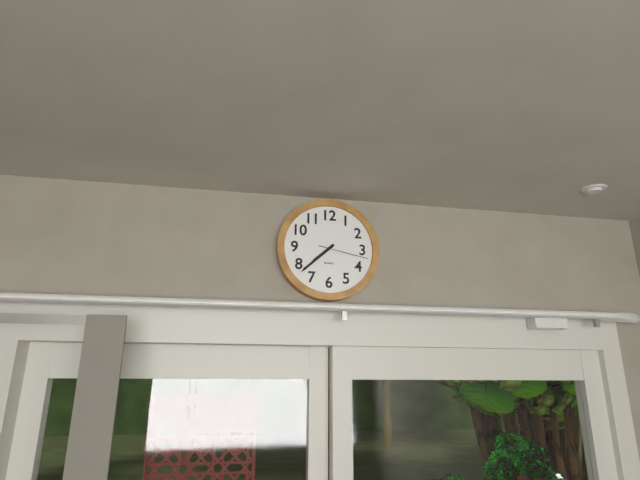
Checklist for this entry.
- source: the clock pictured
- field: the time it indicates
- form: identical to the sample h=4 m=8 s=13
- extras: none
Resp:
h=7 m=38 s=17
